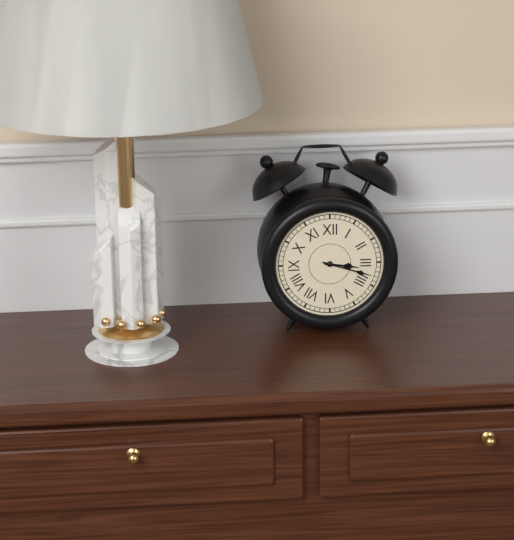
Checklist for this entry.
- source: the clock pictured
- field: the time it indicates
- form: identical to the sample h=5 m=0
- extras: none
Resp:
h=3 m=18
